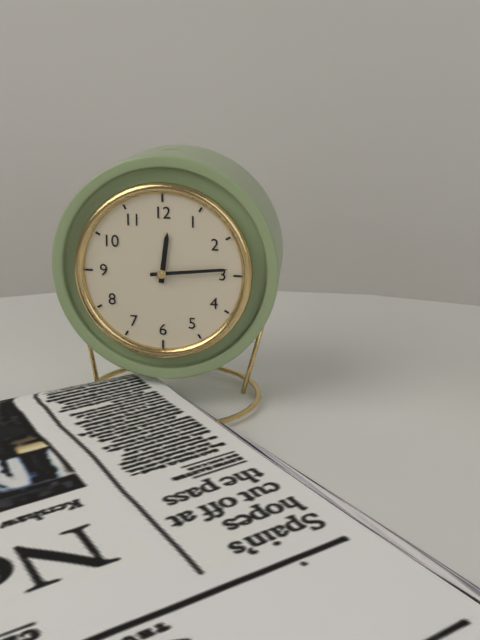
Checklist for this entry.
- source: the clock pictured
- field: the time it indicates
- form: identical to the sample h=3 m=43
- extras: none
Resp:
h=12 m=14
